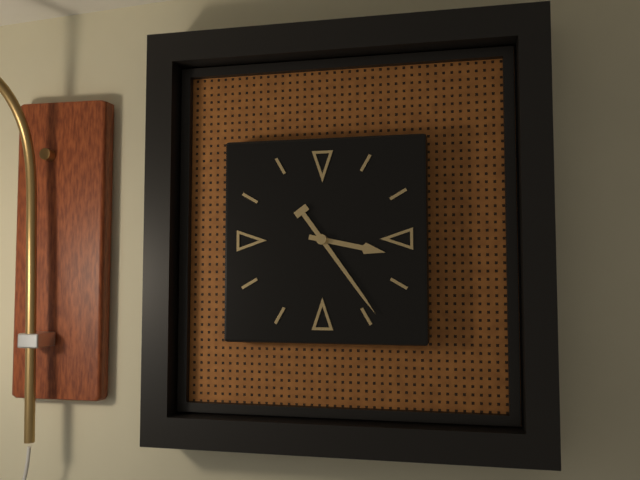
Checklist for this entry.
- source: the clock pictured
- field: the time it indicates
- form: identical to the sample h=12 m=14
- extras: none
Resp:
h=3 m=24
